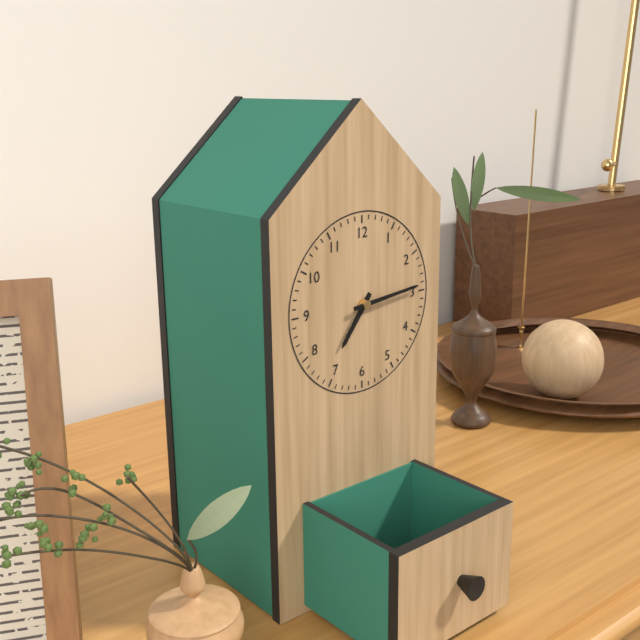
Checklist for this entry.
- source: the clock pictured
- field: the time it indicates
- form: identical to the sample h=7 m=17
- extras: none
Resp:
h=7 m=14
